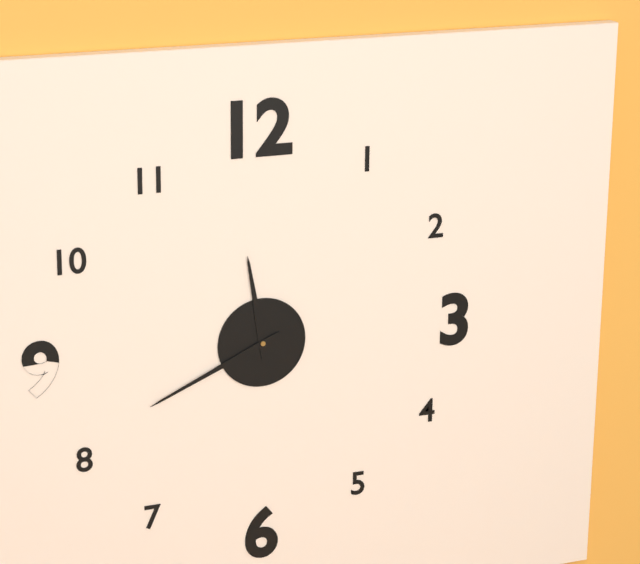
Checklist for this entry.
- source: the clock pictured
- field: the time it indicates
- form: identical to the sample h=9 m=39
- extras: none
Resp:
h=11 m=41
